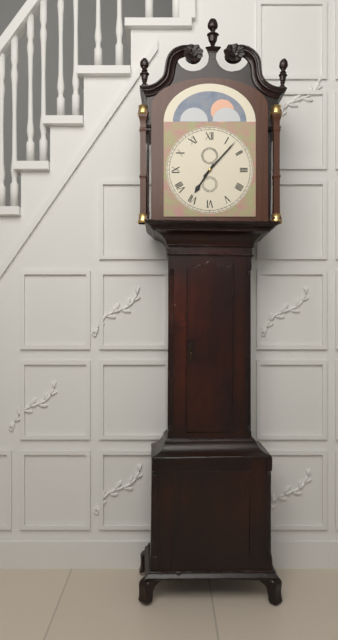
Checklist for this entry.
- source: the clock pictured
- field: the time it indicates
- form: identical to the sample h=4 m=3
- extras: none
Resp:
h=7 m=7
